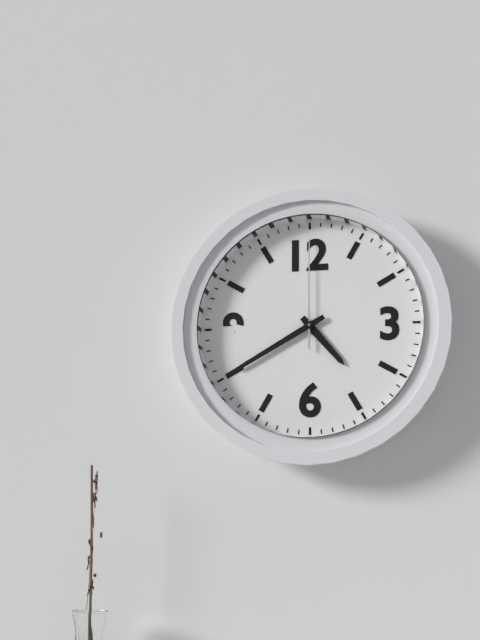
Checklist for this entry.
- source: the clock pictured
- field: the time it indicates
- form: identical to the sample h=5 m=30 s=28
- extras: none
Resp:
h=4 m=40 s=0
